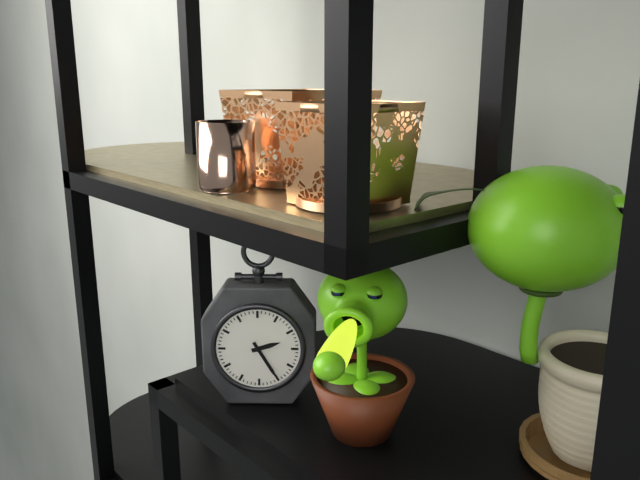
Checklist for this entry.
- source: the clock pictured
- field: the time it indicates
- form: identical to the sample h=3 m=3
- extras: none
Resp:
h=2 m=25
